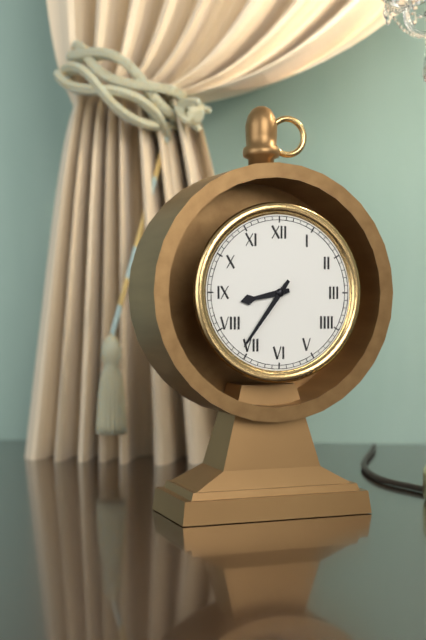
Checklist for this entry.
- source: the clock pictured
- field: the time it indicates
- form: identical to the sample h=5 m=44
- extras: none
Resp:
h=8 m=36
